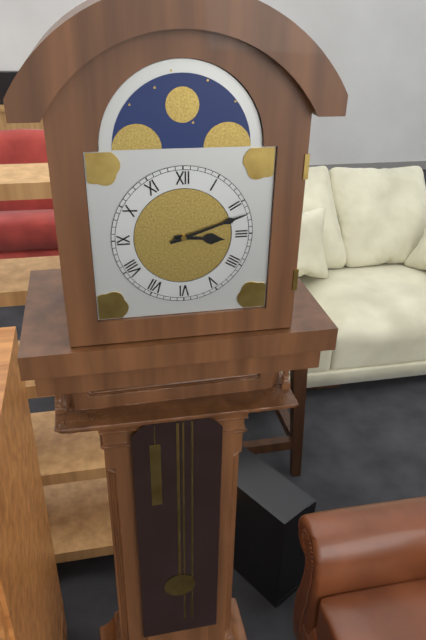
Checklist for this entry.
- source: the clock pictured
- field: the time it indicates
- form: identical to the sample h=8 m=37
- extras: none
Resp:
h=3 m=12
